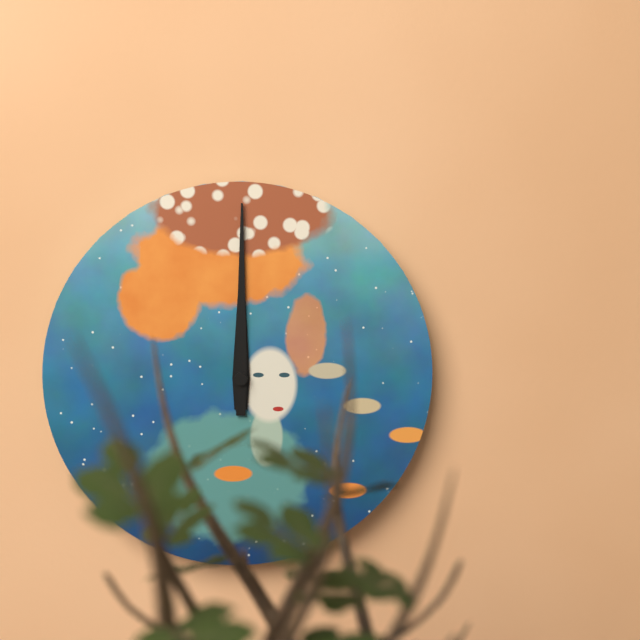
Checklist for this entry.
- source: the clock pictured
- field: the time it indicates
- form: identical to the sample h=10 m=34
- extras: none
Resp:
h=12 m=0
